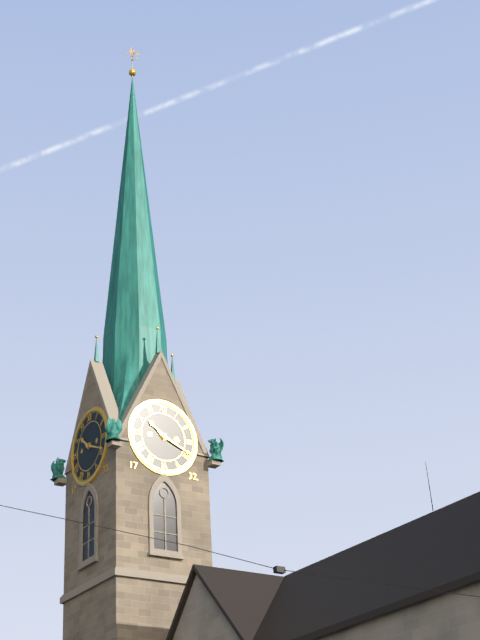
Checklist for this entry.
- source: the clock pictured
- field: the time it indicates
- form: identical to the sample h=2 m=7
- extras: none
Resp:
h=10 m=19
